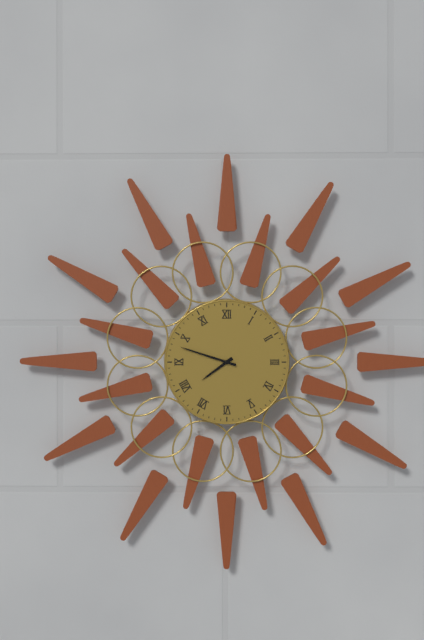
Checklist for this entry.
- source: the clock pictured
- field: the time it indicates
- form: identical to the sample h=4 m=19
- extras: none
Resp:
h=7 m=48
